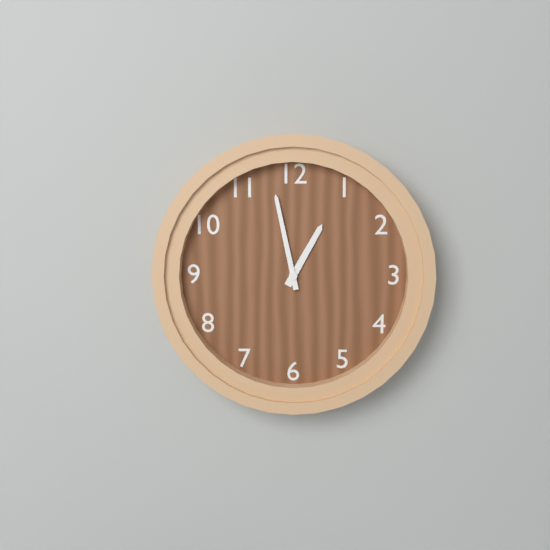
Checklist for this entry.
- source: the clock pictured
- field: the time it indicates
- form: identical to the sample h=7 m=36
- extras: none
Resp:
h=12 m=58
